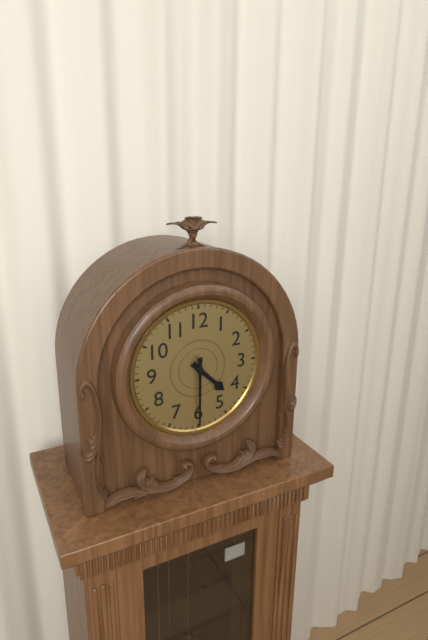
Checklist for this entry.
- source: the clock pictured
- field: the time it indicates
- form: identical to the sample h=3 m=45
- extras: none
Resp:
h=4 m=30
